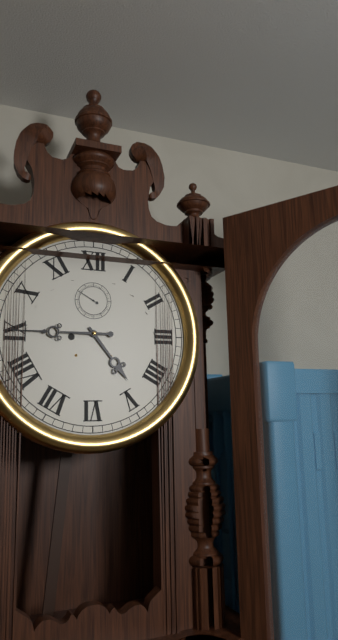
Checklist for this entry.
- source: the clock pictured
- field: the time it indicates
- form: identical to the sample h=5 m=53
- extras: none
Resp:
h=4 m=45
